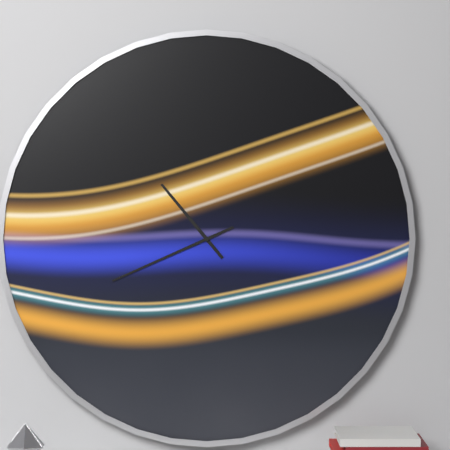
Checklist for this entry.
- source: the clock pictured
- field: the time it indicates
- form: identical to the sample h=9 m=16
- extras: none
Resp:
h=10 m=41
